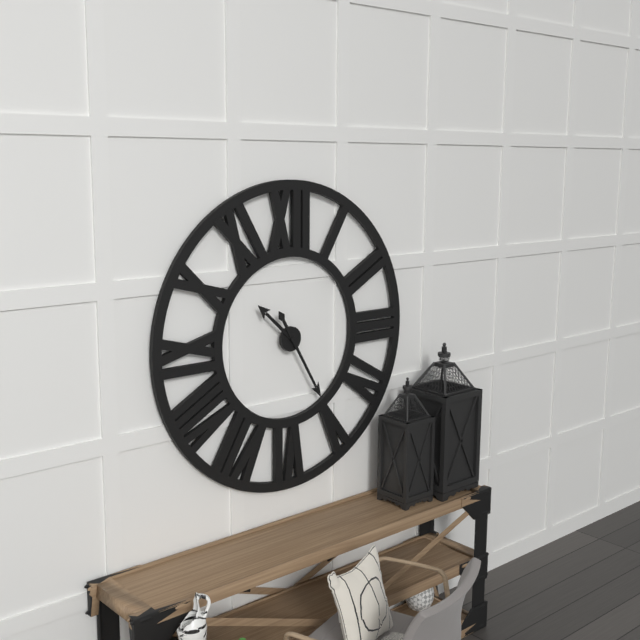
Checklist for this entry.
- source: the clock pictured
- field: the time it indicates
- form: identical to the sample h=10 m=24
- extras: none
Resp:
h=10 m=25
